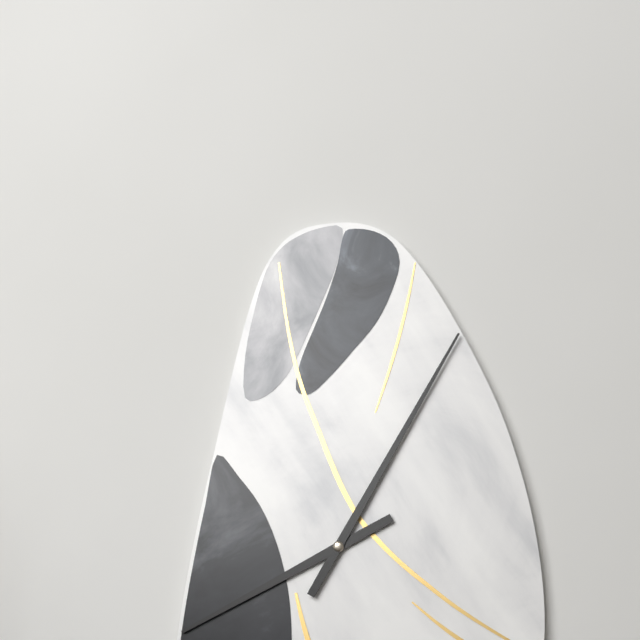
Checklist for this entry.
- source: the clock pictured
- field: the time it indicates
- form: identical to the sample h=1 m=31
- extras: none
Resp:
h=8 m=5
